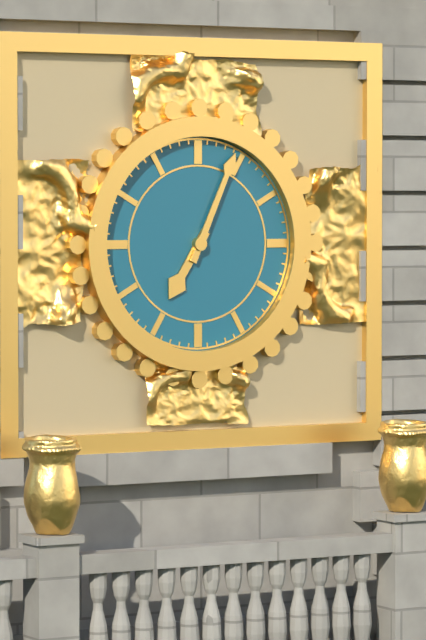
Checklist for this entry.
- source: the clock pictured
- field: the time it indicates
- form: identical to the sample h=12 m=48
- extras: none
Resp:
h=7 m=4
